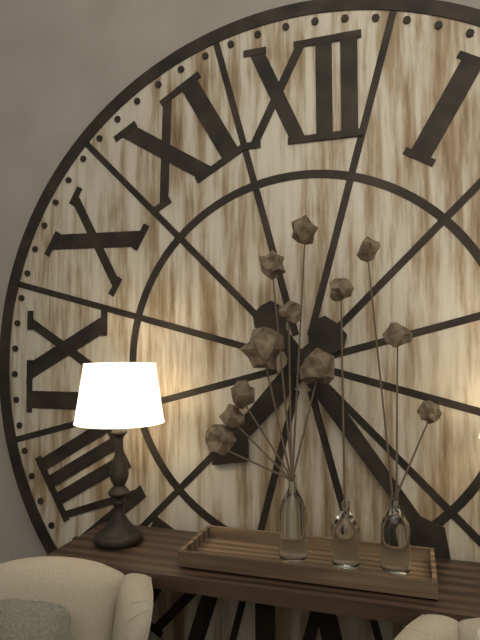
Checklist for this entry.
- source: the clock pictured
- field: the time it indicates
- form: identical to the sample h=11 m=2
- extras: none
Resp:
h=7 m=24
